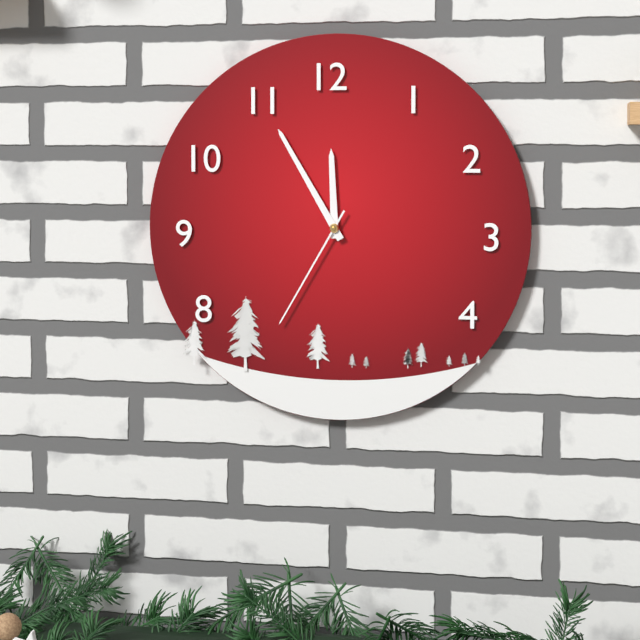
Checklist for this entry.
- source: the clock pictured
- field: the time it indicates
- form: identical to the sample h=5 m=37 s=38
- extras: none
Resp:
h=11 m=55 s=35
